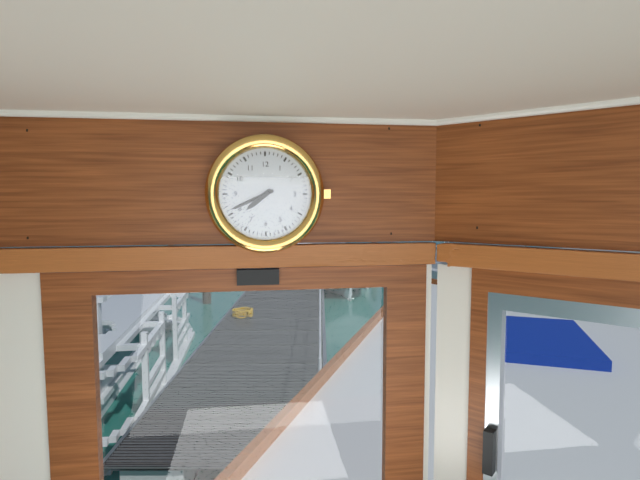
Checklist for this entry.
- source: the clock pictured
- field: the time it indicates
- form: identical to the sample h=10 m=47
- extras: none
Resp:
h=7 m=41
